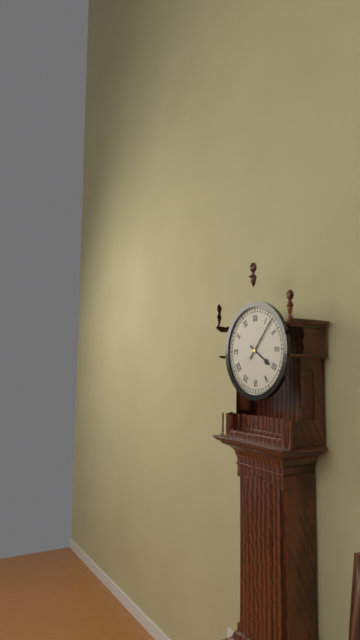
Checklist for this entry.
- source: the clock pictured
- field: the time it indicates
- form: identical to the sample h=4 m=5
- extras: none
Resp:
h=4 m=7
